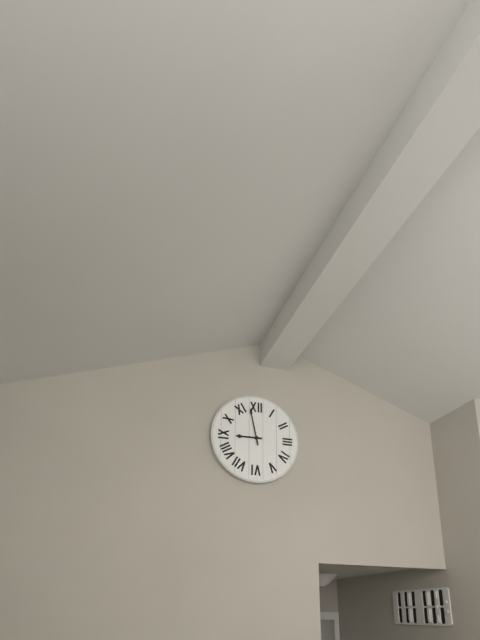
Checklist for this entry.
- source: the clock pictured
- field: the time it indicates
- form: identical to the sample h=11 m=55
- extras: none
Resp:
h=8 m=58
